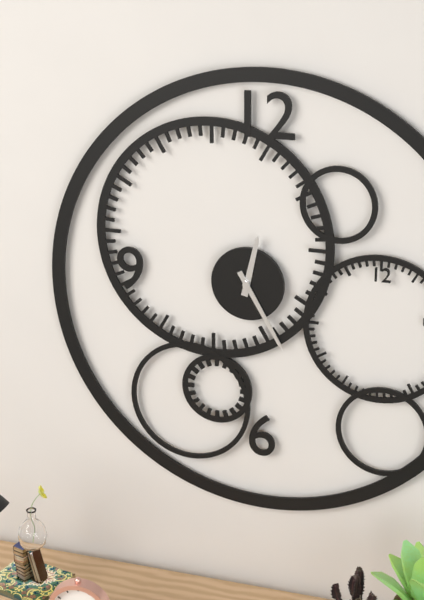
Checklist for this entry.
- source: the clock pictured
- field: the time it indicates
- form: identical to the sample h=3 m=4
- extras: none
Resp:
h=12 m=25
